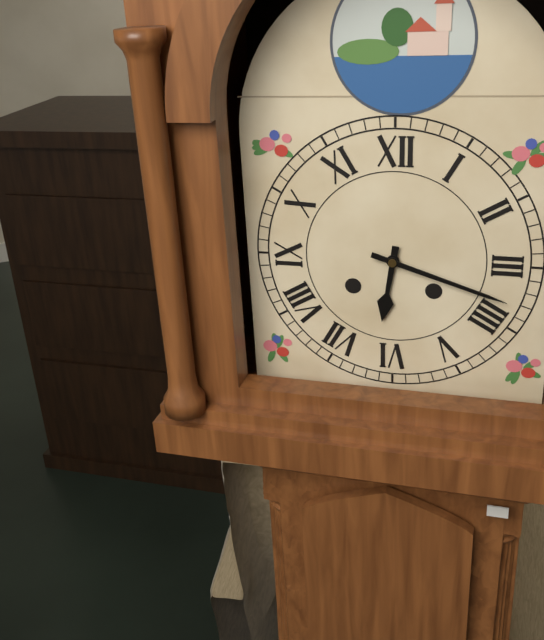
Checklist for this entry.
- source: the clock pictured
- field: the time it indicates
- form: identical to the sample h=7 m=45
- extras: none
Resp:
h=6 m=18
